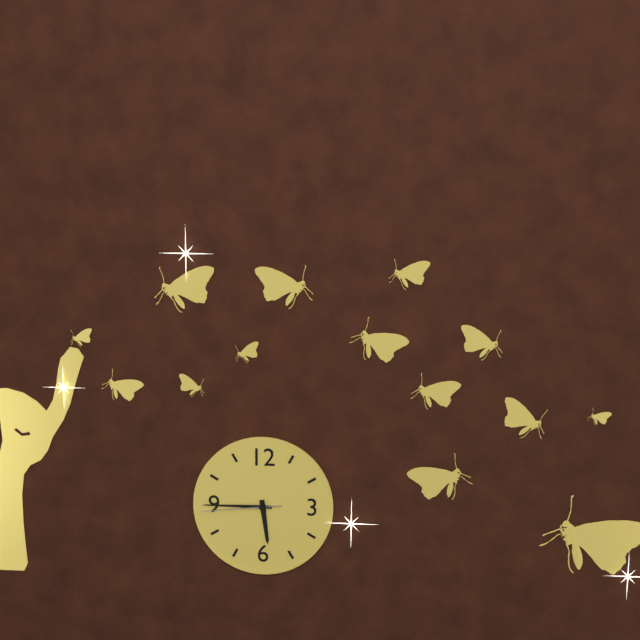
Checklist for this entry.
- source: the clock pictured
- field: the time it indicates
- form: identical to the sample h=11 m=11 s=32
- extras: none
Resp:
h=5 m=45 s=44
